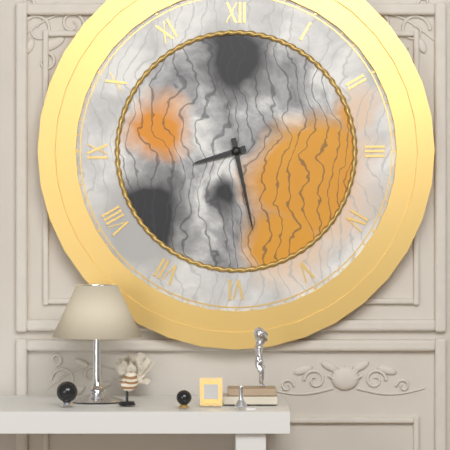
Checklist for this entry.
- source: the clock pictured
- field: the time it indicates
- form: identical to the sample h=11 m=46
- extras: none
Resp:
h=8 m=28
